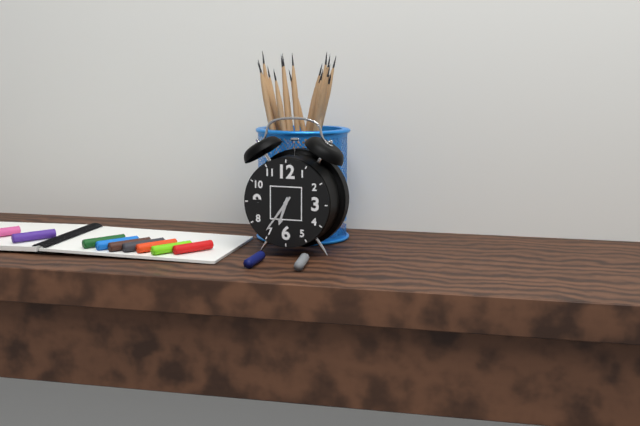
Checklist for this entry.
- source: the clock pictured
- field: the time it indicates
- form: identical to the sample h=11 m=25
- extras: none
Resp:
h=6 m=36
